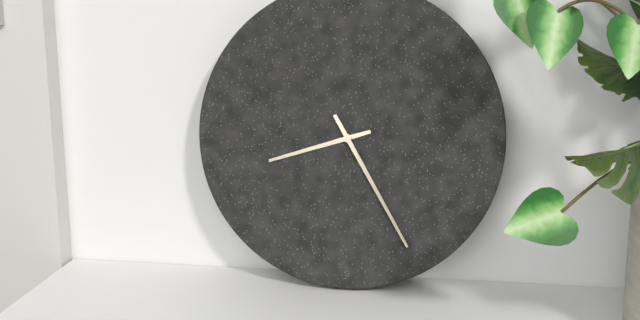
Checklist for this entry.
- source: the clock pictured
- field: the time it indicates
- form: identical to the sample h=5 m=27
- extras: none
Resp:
h=8 m=25
